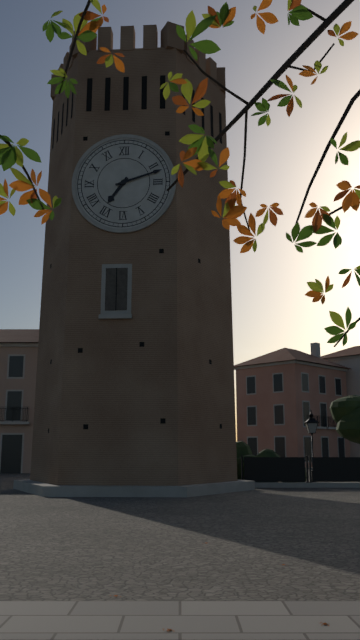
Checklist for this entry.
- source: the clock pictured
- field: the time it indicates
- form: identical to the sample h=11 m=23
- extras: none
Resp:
h=7 m=12
